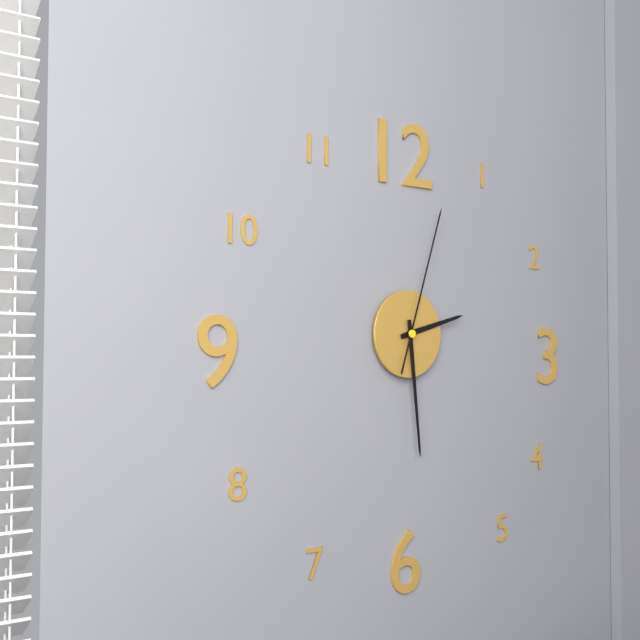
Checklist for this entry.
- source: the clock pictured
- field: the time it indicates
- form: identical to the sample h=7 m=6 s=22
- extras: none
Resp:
h=2 m=29 s=3
